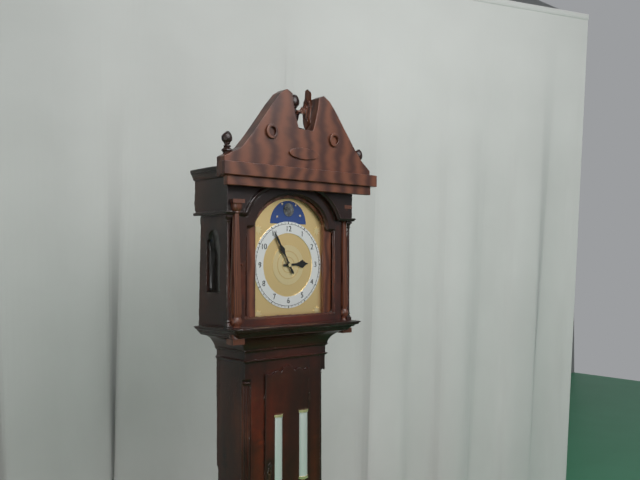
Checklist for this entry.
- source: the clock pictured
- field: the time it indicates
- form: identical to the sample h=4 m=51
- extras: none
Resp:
h=2 m=55
